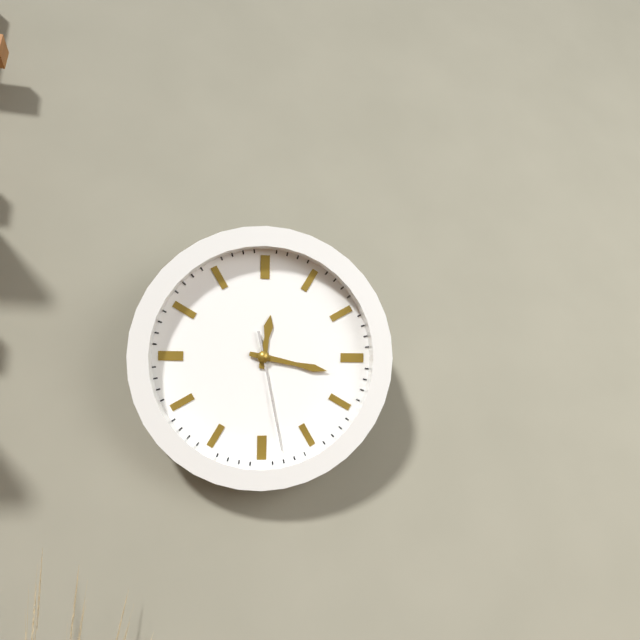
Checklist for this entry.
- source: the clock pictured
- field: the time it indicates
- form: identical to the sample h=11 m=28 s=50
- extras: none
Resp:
h=12 m=17 s=28
